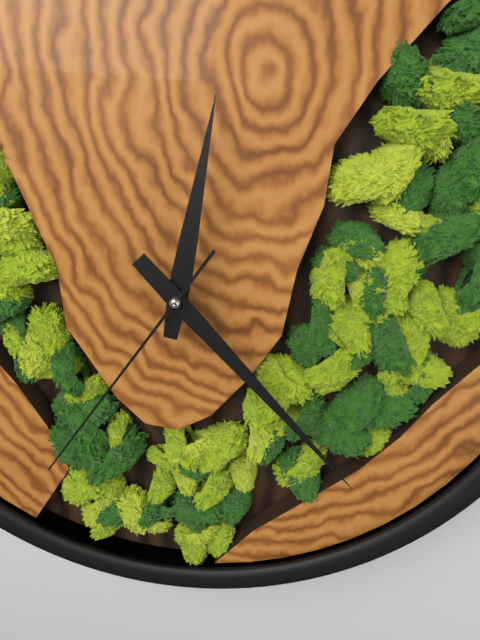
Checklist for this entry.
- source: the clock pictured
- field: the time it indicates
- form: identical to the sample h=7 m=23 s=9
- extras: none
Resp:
h=12 m=23 s=36
